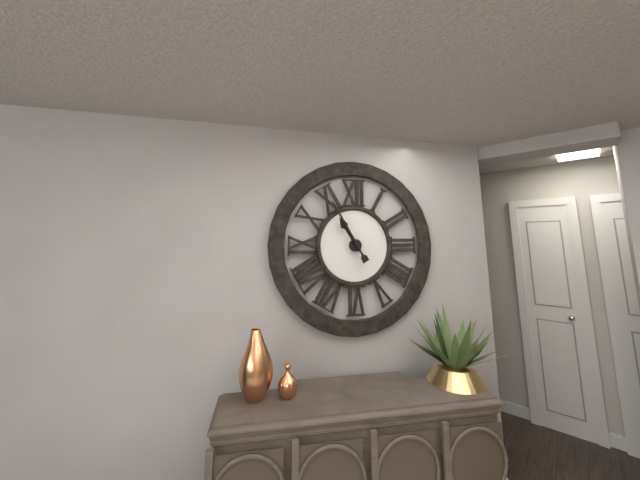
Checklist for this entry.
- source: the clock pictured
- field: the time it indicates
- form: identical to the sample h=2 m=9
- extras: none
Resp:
h=10 m=55
